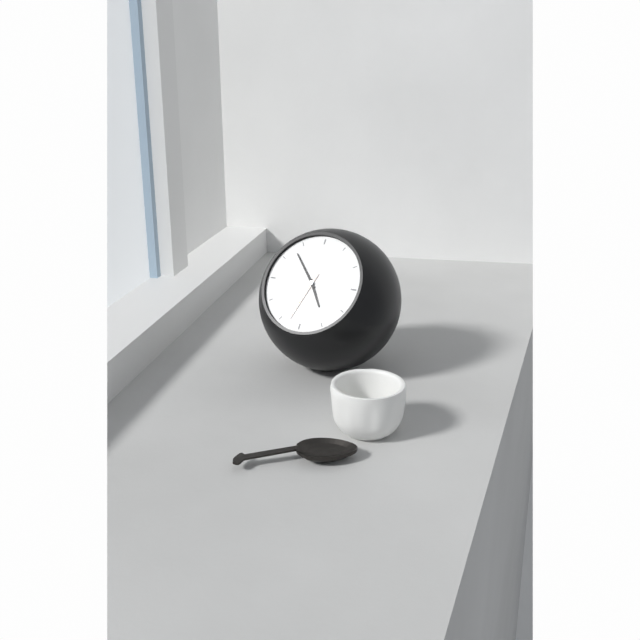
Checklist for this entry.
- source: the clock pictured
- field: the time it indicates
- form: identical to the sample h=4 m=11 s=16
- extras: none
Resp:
h=4 m=53 s=33
